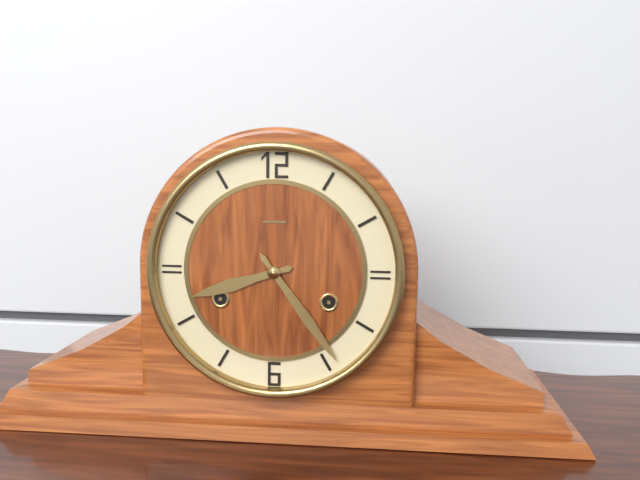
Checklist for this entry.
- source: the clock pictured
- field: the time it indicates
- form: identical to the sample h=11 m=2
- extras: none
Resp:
h=8 m=24
